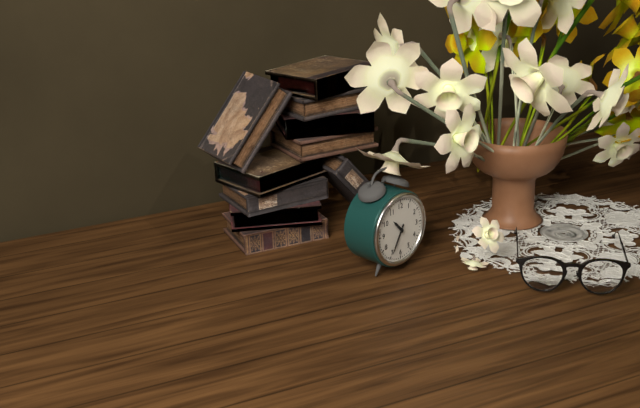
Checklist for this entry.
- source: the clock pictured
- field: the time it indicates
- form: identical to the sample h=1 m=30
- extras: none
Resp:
h=10 m=35
